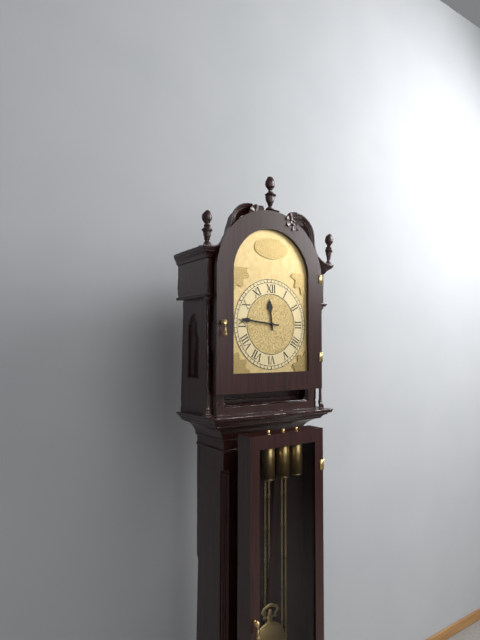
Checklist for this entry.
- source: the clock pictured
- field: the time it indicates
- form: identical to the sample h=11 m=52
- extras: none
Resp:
h=11 m=46
